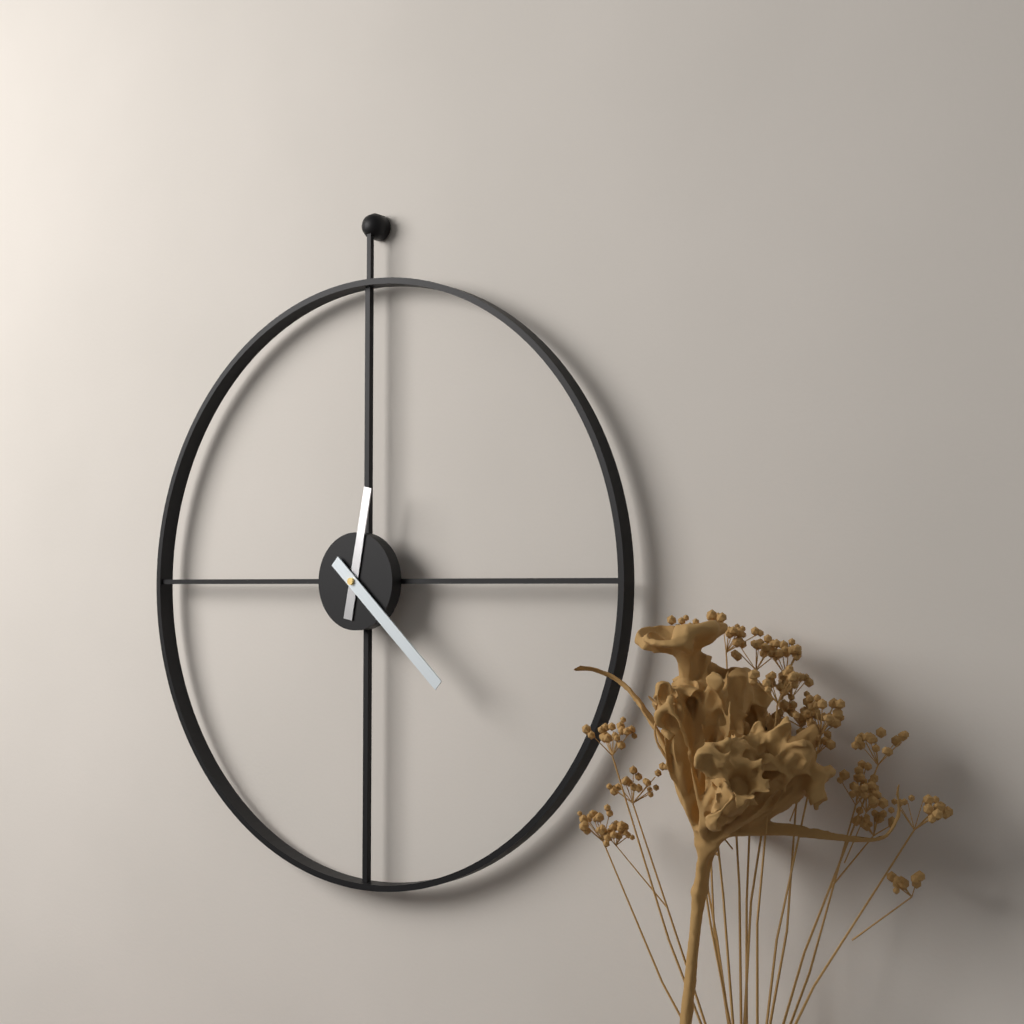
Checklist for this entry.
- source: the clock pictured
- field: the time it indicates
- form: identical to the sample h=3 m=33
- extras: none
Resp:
h=12 m=22
